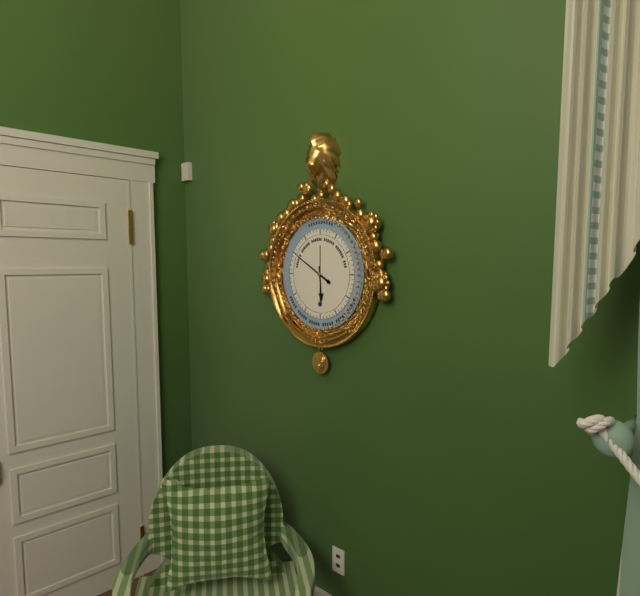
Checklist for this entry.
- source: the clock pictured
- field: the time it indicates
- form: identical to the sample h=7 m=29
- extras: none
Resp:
h=5 m=50
